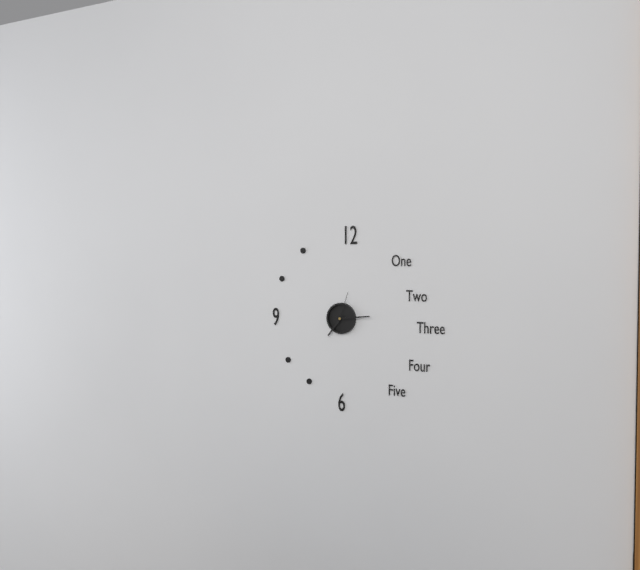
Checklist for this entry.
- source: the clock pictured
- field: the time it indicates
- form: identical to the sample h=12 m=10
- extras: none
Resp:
h=7 m=14
